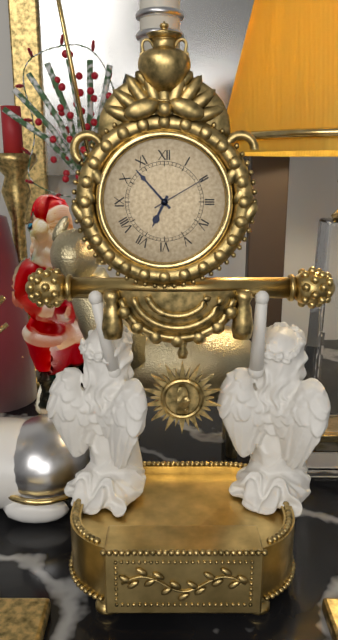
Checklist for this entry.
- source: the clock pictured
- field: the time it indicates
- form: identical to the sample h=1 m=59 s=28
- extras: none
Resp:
h=6 m=53 s=10
